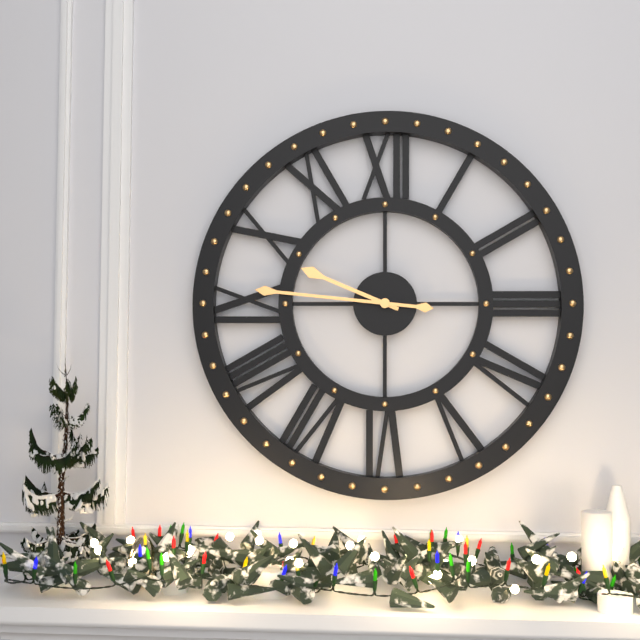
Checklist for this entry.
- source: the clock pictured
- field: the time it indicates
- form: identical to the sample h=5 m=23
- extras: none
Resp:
h=9 m=46
